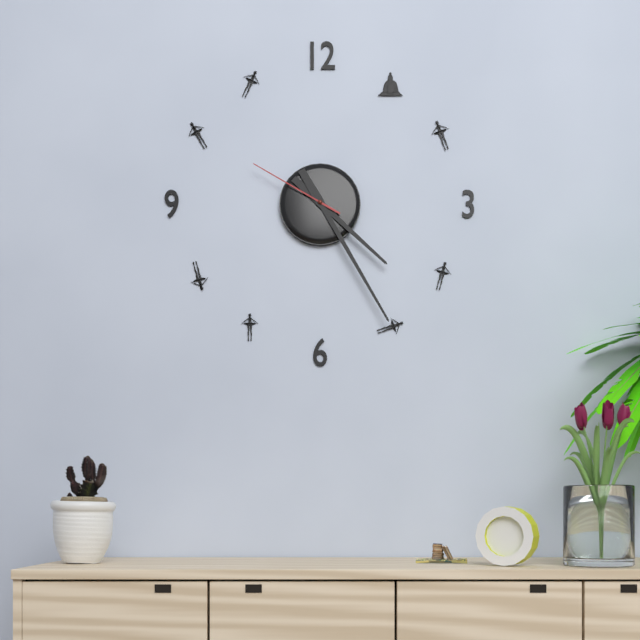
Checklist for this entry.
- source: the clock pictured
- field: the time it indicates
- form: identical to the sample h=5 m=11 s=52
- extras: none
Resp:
h=4 m=25 s=50
